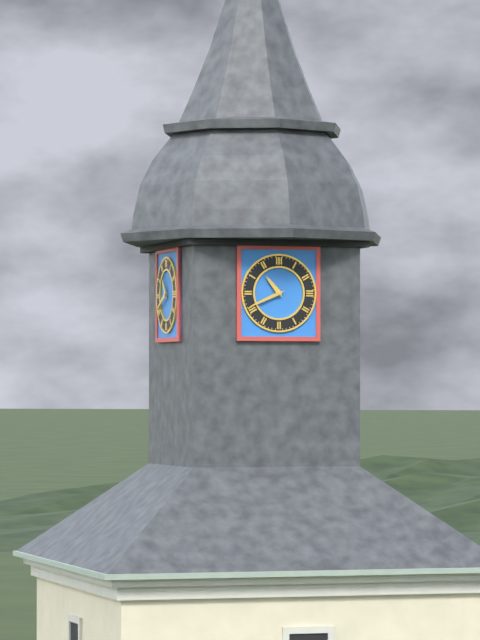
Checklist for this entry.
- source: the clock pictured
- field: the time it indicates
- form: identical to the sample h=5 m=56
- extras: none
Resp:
h=10 m=41
